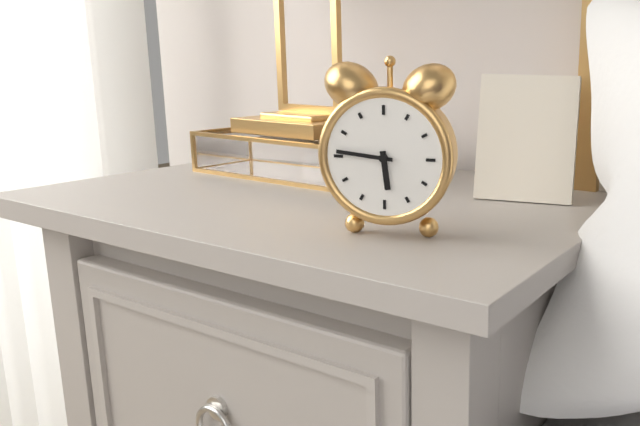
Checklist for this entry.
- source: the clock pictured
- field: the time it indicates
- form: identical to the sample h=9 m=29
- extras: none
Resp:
h=5 m=46
